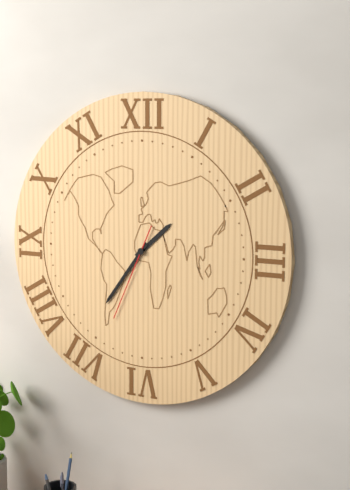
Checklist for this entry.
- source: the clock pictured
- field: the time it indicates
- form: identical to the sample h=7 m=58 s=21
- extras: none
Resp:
h=1 m=36 s=34
